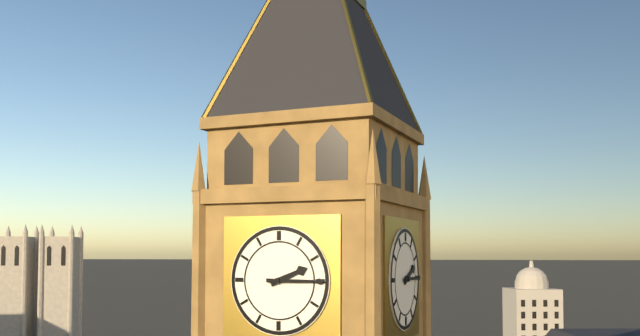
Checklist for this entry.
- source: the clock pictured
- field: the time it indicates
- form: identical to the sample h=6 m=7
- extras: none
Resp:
h=2 m=15
